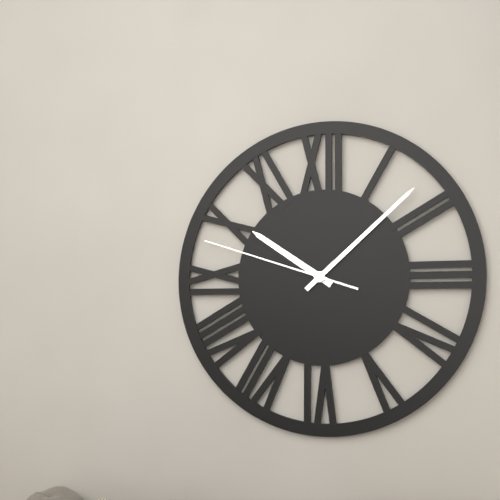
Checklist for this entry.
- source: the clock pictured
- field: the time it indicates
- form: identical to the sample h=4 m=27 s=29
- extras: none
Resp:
h=10 m=8 s=48
